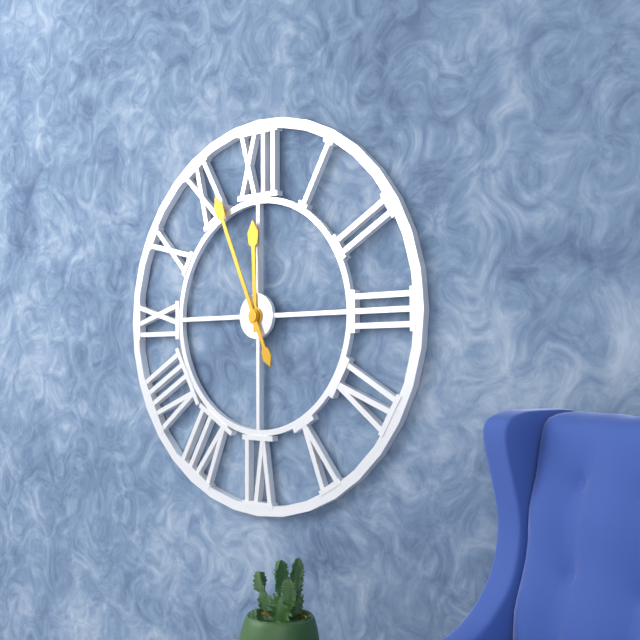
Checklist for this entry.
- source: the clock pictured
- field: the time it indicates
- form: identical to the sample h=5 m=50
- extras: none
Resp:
h=11 m=56
